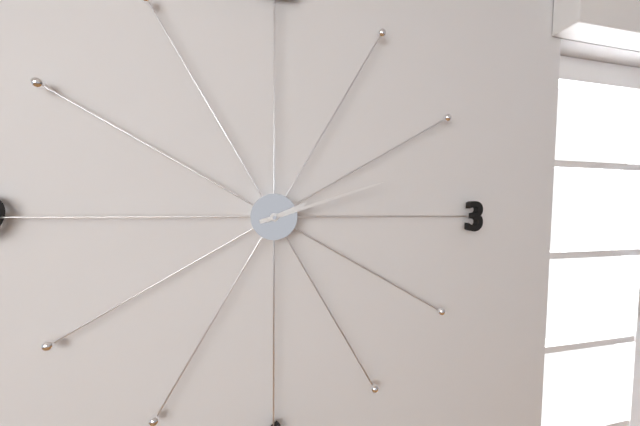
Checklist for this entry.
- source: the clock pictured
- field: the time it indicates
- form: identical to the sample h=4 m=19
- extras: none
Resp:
h=2 m=12
